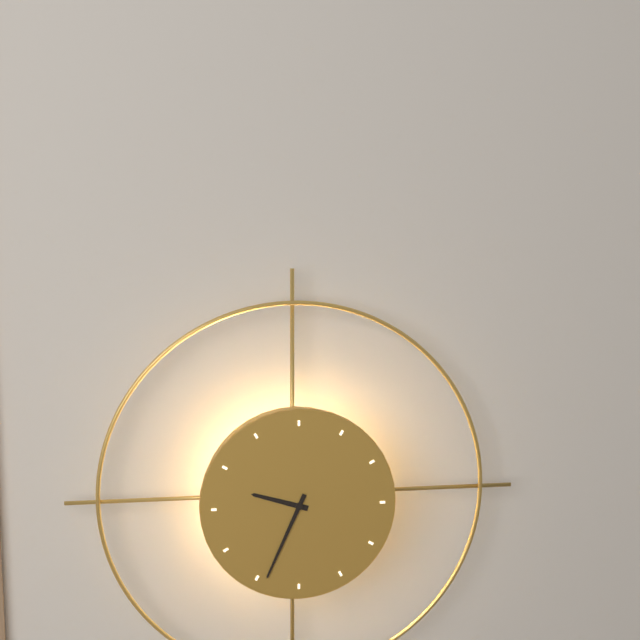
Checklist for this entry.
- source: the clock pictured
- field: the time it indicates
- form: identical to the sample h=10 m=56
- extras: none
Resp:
h=9 m=34
